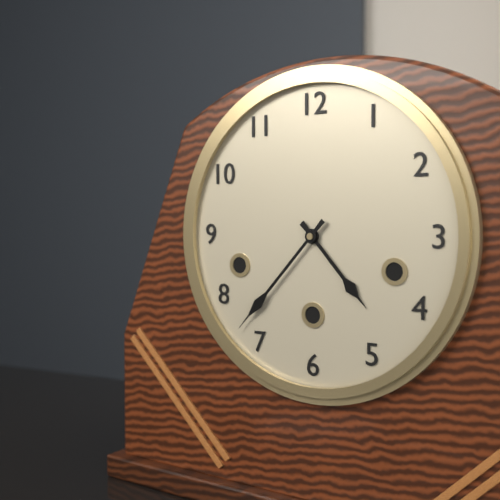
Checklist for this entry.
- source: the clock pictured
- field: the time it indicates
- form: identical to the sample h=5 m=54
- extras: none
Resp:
h=4 m=37
